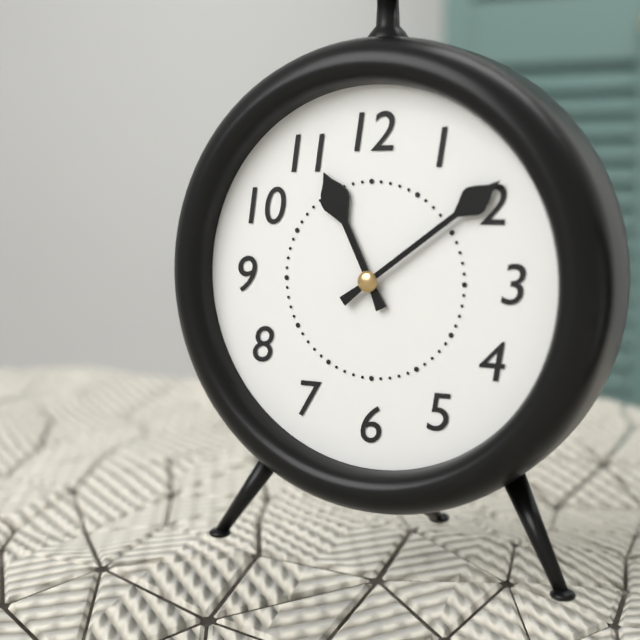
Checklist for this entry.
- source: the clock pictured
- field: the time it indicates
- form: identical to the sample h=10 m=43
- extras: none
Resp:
h=11 m=9
